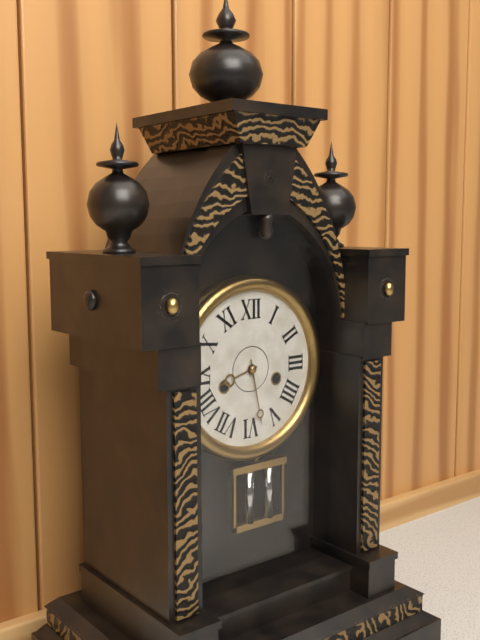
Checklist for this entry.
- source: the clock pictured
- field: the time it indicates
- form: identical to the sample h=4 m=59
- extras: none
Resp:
h=8 m=28
